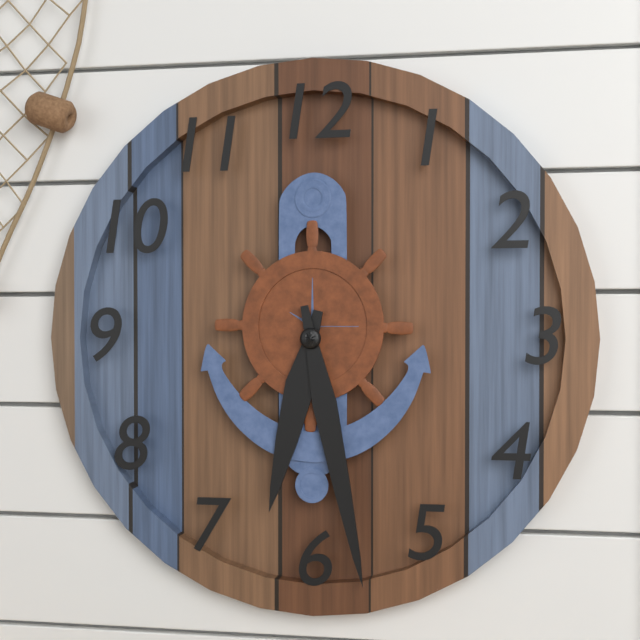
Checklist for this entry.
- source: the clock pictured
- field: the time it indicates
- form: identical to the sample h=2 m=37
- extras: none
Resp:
h=6 m=28
